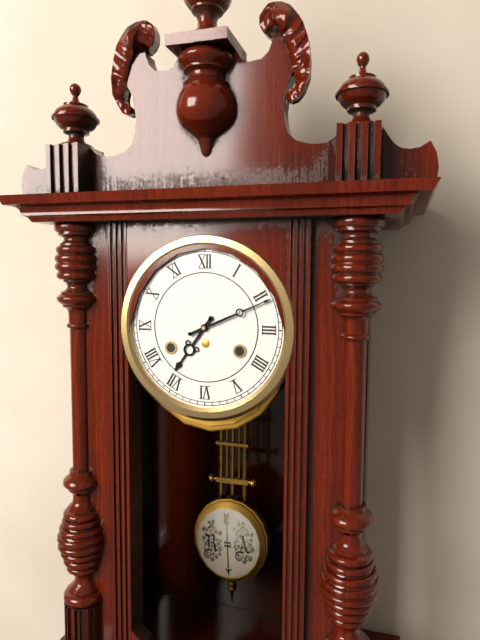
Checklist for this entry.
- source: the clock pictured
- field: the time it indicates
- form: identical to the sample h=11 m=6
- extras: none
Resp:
h=7 m=11
